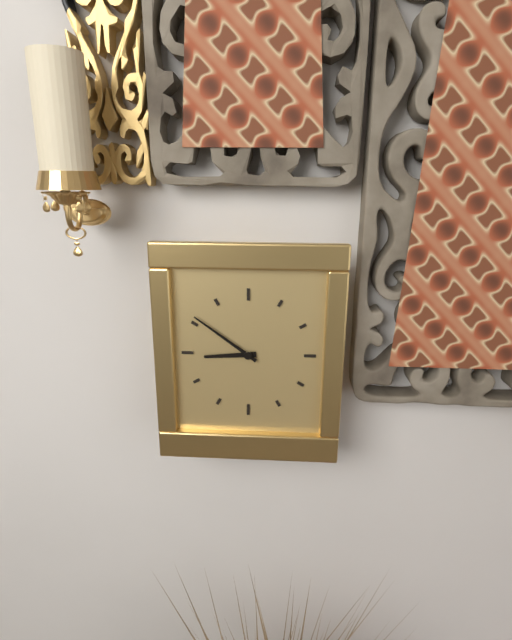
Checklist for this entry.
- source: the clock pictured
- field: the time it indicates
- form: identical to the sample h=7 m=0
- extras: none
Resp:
h=8 m=51
